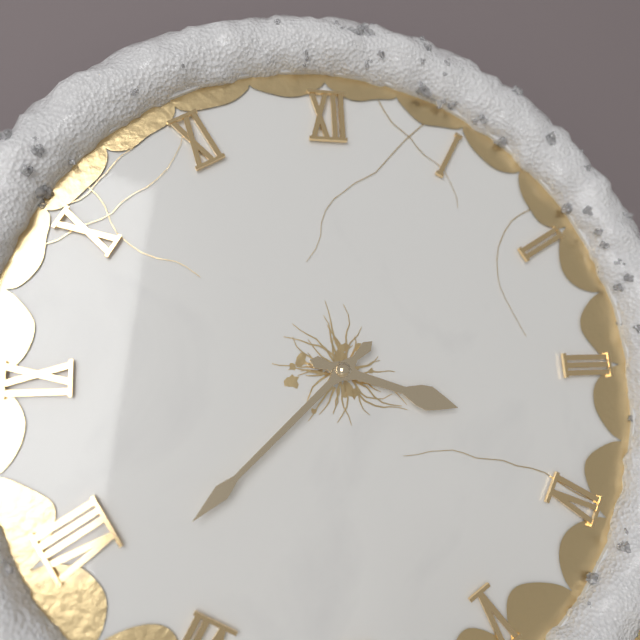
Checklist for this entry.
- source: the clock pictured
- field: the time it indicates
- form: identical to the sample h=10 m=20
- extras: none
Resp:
h=3 m=38
